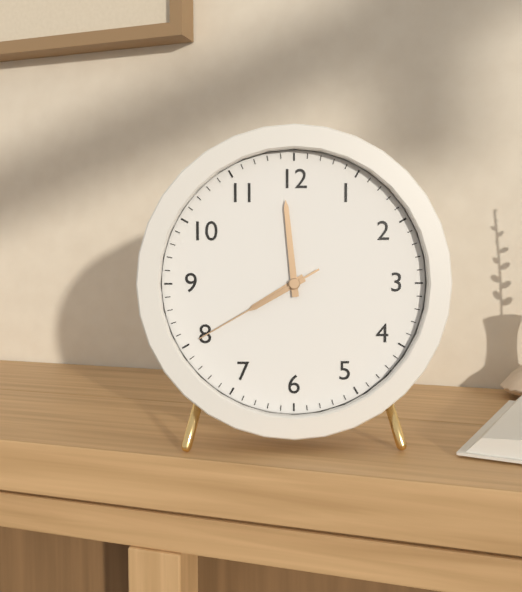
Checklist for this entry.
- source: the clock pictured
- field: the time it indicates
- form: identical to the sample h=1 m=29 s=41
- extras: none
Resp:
h=7 m=59 s=40
